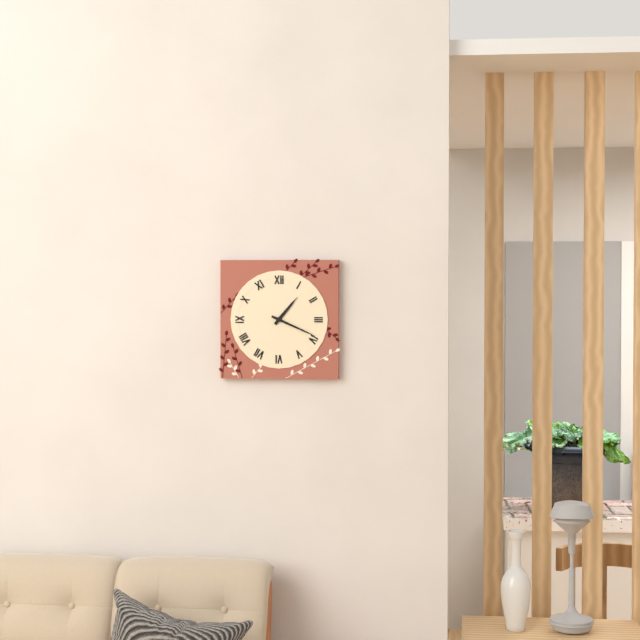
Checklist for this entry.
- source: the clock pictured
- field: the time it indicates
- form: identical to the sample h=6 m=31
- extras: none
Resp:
h=1 m=19
